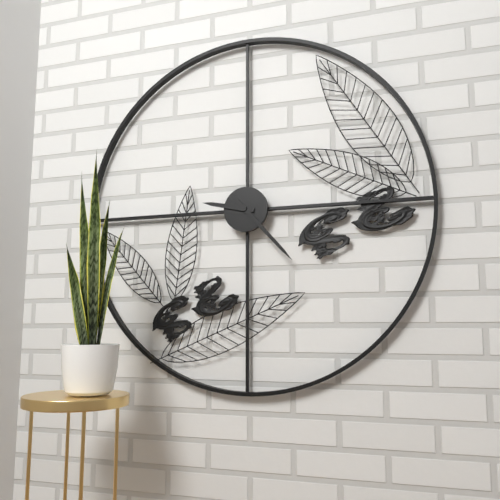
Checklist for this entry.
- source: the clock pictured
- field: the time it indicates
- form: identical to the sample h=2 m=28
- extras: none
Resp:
h=9 m=23
